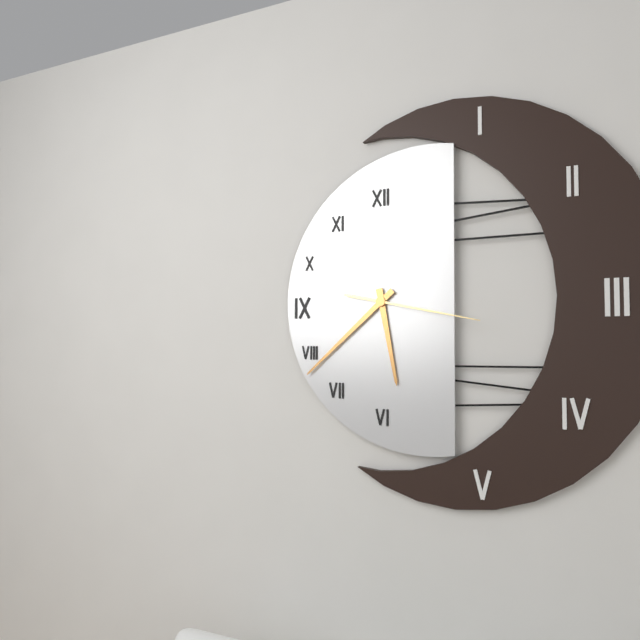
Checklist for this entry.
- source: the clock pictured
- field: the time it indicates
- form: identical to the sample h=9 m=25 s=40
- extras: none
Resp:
h=5 m=38 s=17
